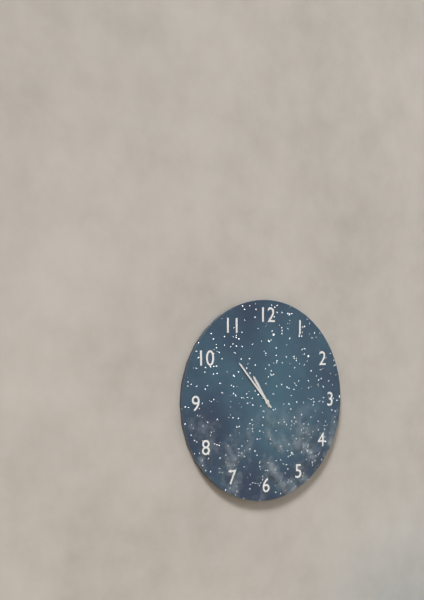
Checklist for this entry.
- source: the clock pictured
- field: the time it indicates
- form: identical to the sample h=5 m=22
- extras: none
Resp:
h=10 m=53
